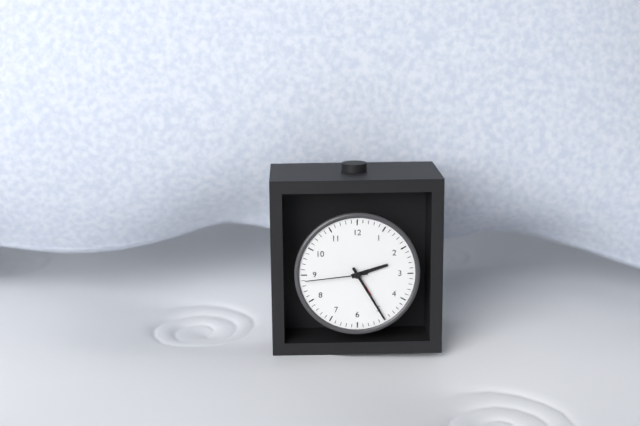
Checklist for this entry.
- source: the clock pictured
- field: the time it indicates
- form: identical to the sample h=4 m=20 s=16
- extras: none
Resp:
h=2 m=25 s=44
